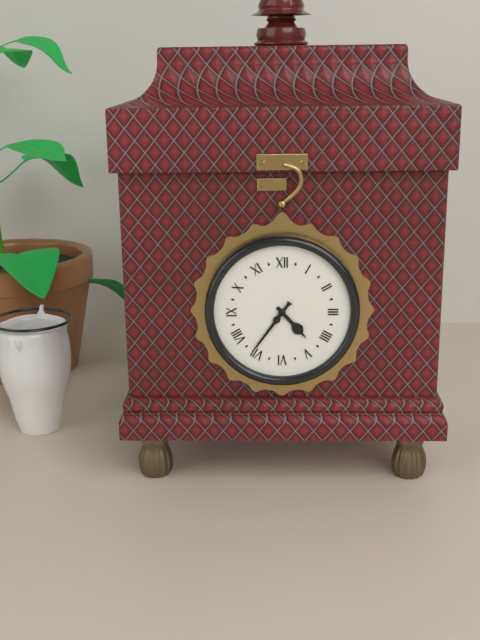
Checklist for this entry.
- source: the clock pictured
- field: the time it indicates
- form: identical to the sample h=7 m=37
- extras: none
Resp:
h=4 m=36
